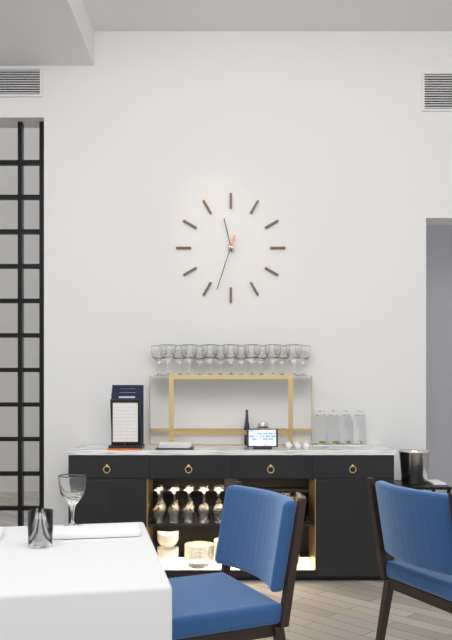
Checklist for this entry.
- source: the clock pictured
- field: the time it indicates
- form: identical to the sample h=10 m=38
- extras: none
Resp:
h=11 m=33
